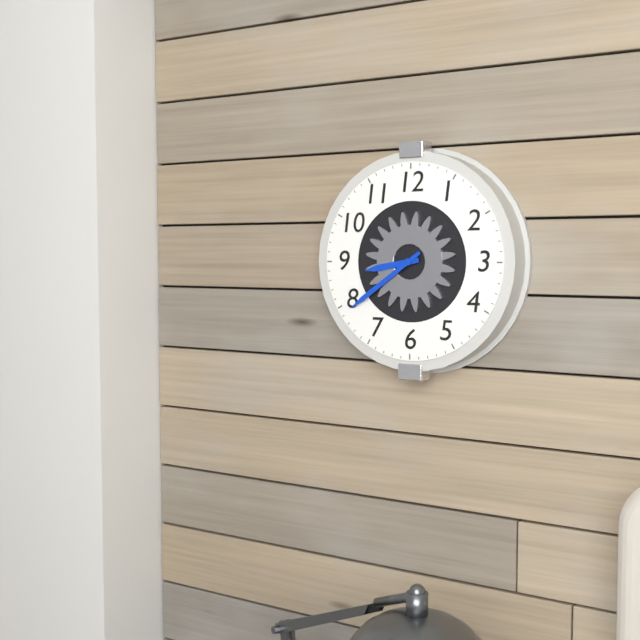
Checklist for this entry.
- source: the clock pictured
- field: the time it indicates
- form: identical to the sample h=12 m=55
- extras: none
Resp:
h=8 m=39
